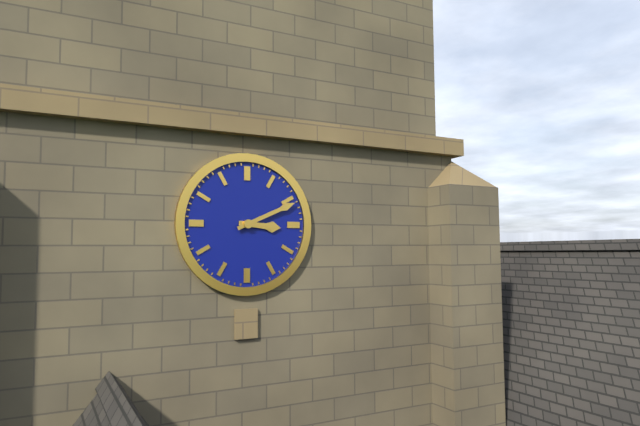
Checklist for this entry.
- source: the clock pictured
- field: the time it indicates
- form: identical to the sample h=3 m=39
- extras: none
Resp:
h=3 m=11
